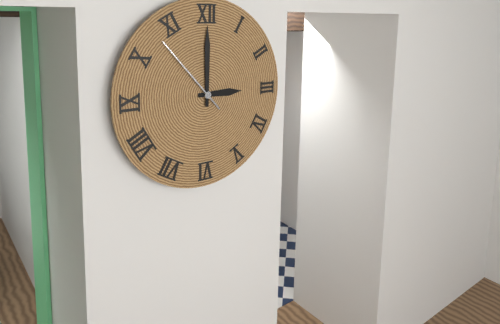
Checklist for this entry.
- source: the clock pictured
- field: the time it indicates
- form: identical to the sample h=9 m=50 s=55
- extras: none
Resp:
h=3 m=0 s=53
